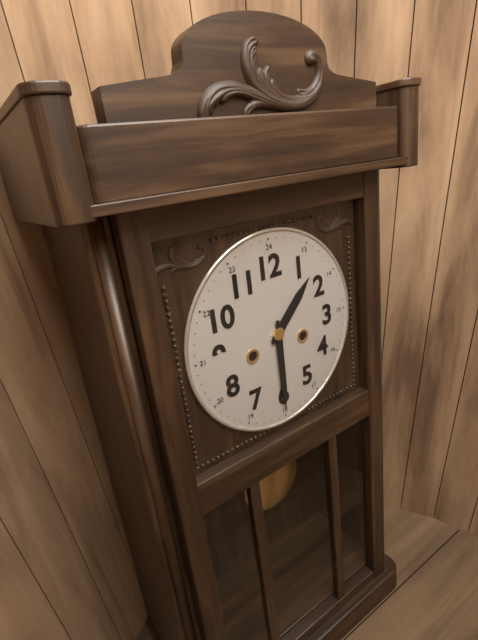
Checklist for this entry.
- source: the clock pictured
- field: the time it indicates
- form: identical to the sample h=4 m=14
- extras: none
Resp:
h=1 m=30
